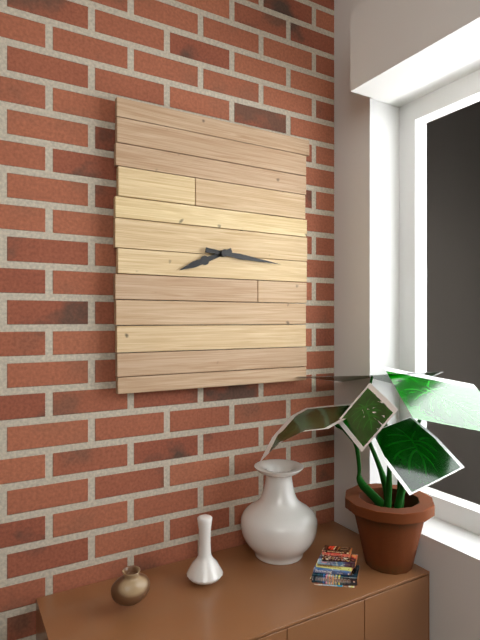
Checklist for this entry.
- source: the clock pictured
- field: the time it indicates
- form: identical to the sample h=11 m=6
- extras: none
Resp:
h=8 m=16
